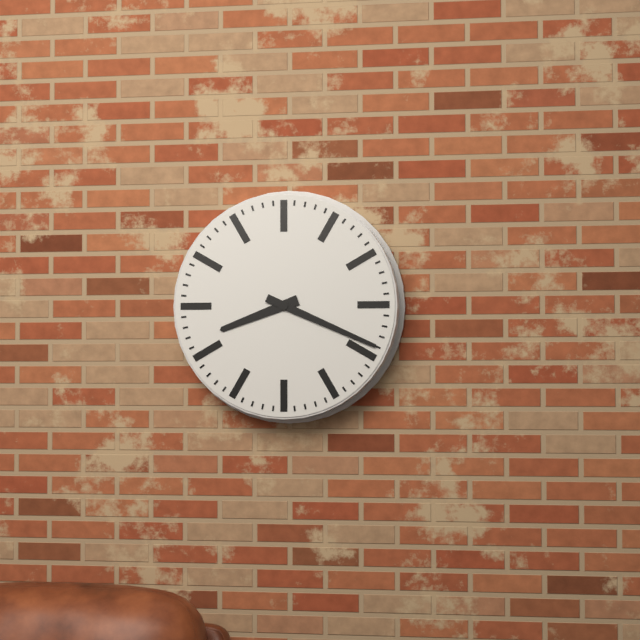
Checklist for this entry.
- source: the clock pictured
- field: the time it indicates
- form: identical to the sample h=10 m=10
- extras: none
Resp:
h=8 m=19
